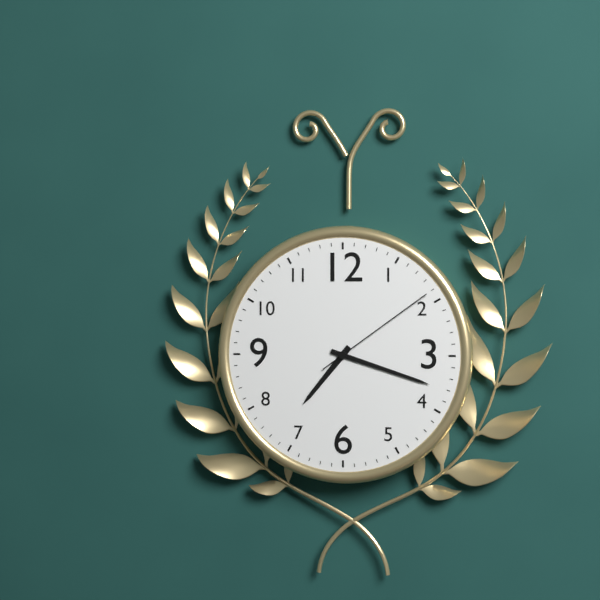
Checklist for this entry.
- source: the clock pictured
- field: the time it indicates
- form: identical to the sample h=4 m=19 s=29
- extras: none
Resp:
h=7 m=18 s=9
